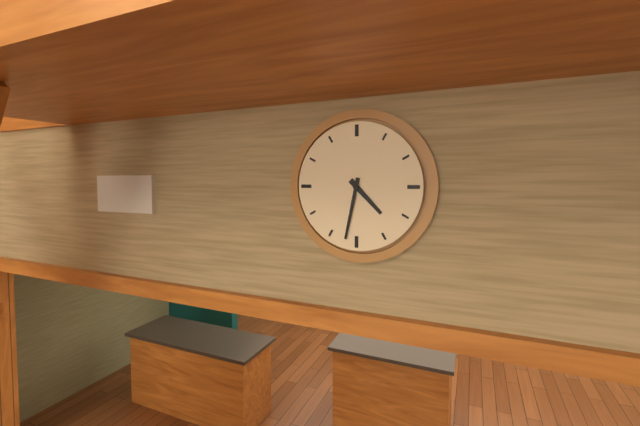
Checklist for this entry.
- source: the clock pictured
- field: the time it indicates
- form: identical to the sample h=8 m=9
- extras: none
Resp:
h=4 m=32
